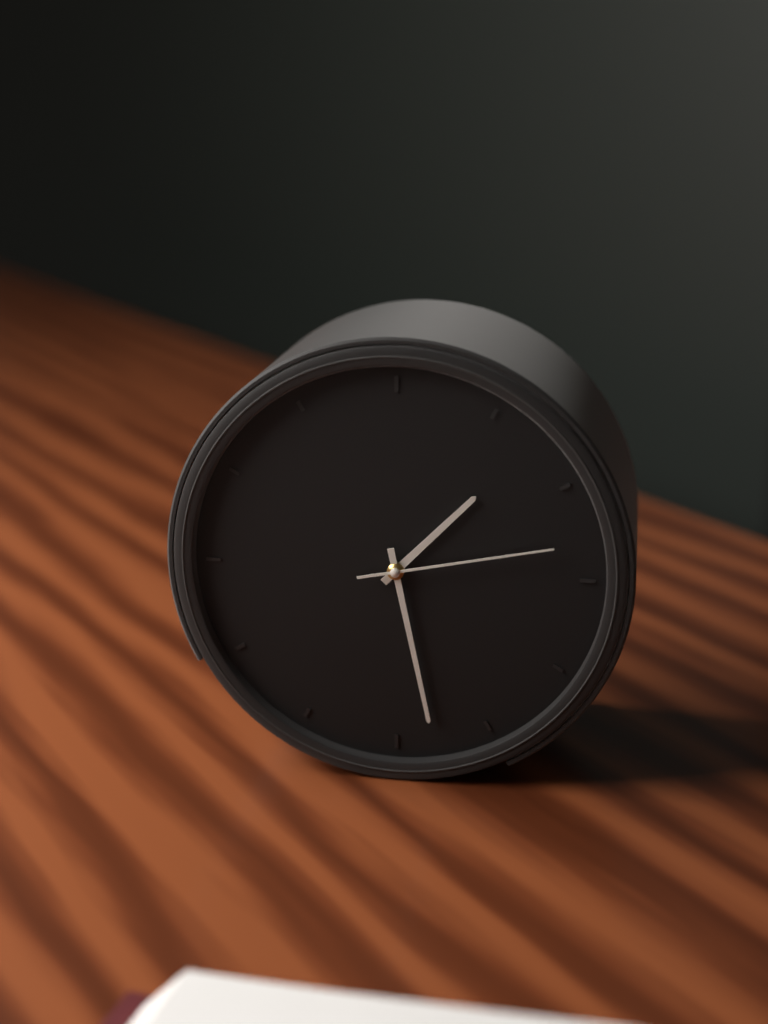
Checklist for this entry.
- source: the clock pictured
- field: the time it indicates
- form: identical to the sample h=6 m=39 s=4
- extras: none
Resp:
h=1 m=28 s=13
